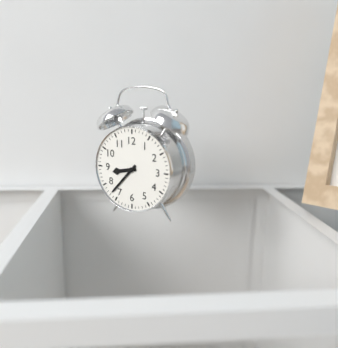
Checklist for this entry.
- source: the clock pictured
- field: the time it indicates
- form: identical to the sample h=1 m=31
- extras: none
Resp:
h=8 m=37
